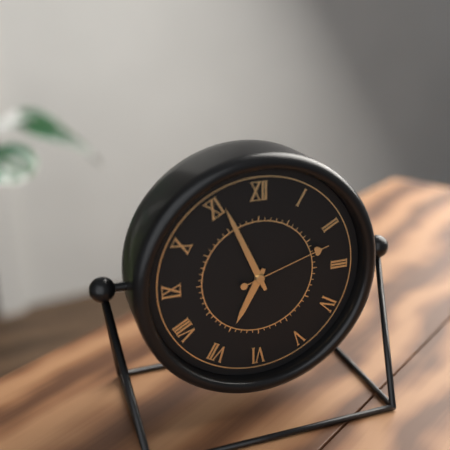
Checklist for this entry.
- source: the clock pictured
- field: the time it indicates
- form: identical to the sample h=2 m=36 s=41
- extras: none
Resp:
h=6 m=56 s=12
